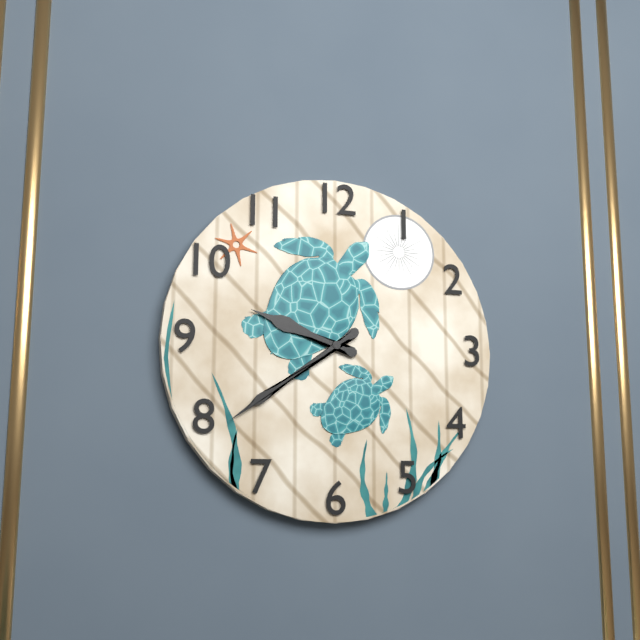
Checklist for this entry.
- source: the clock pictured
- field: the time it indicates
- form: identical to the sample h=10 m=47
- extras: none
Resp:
h=9 m=39
